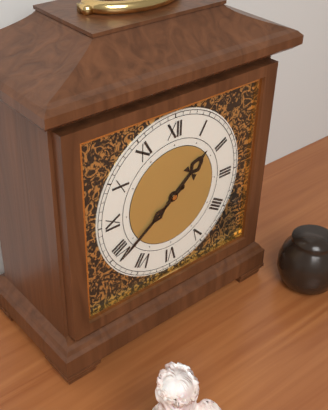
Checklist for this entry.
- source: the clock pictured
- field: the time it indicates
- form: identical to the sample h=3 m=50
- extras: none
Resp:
h=1 m=39
